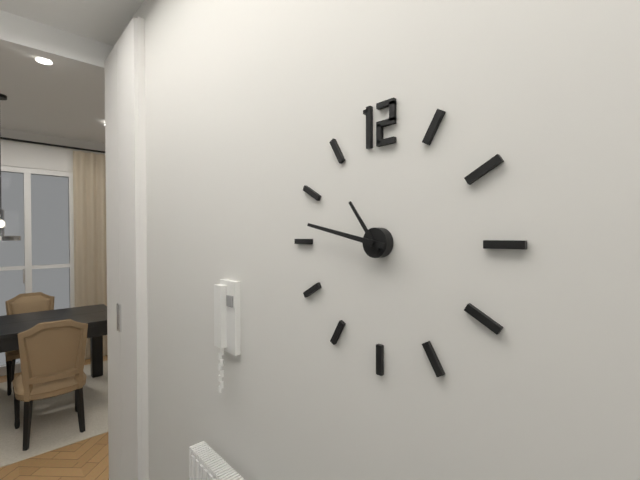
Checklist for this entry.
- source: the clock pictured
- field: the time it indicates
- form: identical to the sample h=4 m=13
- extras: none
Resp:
h=10 m=47
